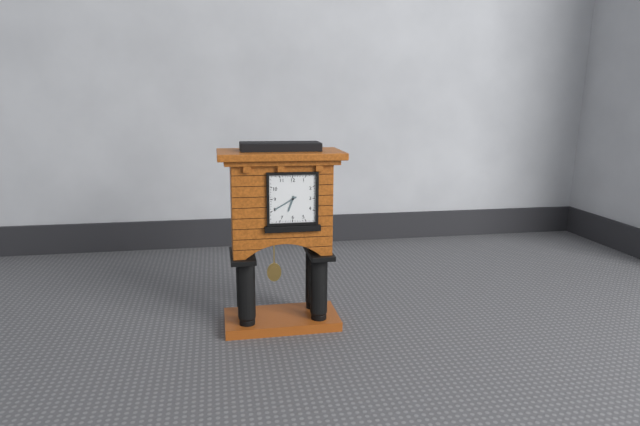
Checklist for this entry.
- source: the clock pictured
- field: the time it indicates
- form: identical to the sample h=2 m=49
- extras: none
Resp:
h=6 m=40
